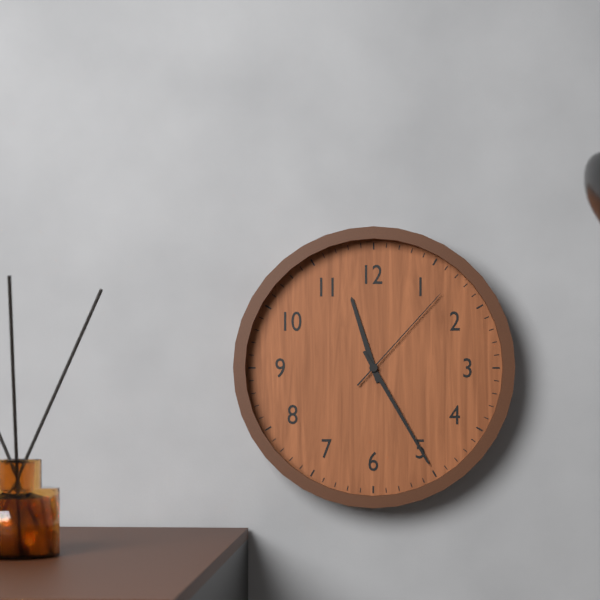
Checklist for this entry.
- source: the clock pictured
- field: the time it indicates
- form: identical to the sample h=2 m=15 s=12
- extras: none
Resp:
h=11 m=25 s=7
